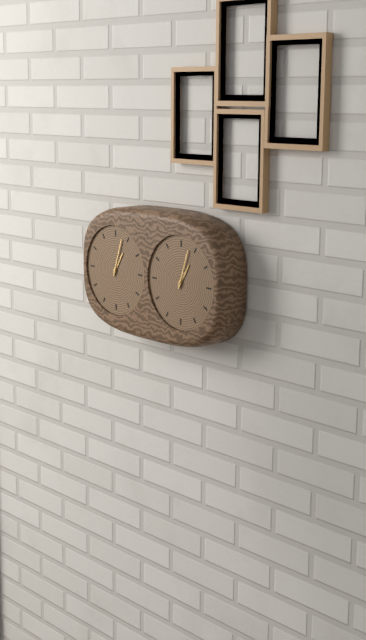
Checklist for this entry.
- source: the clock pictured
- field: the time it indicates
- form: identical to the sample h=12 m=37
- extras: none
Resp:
h=1 m=3
